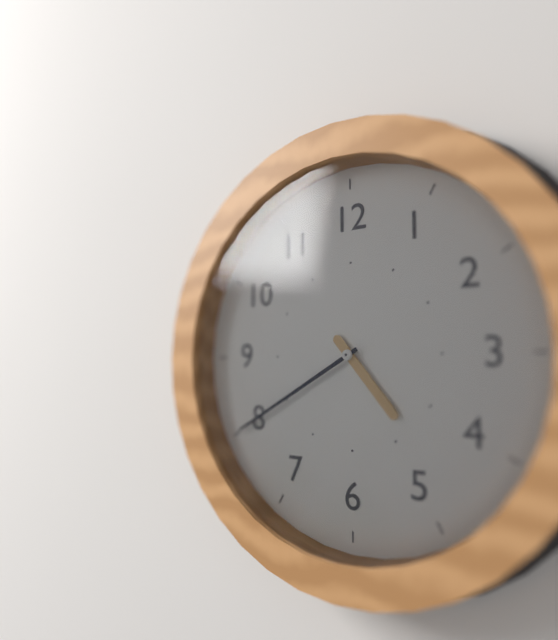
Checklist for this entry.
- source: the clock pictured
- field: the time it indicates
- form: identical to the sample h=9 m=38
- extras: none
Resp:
h=4 m=40
